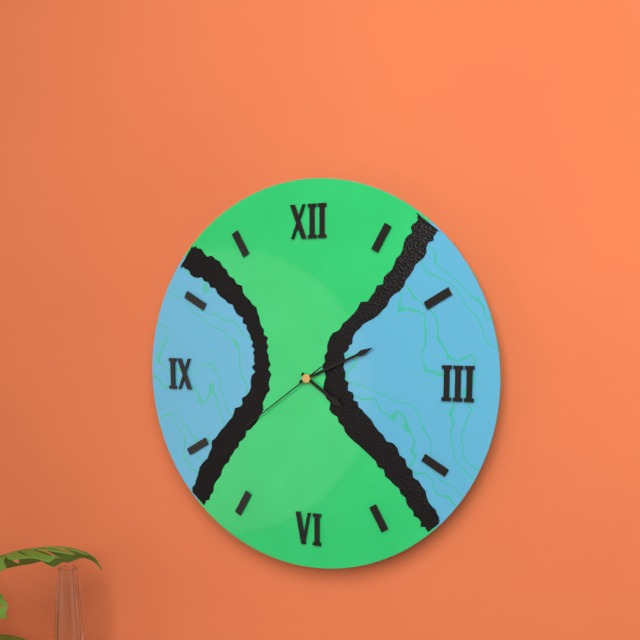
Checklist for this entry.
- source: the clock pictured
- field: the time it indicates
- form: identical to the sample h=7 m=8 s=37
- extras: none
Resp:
h=4 m=11 s=39
